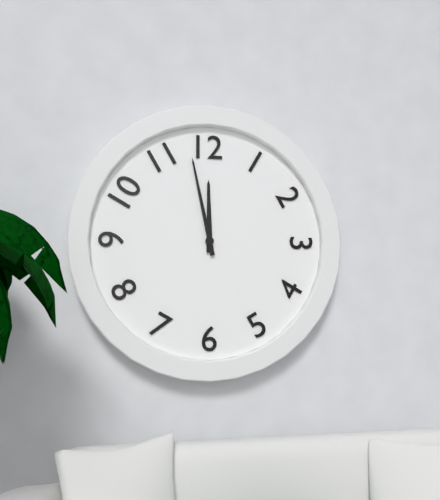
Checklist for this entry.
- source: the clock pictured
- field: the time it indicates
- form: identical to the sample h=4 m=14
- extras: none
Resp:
h=11 m=58
